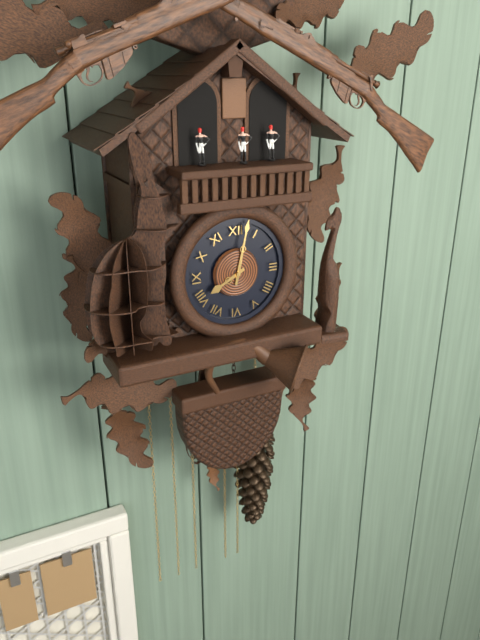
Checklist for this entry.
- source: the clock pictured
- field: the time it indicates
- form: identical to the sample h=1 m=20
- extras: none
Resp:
h=8 m=2
